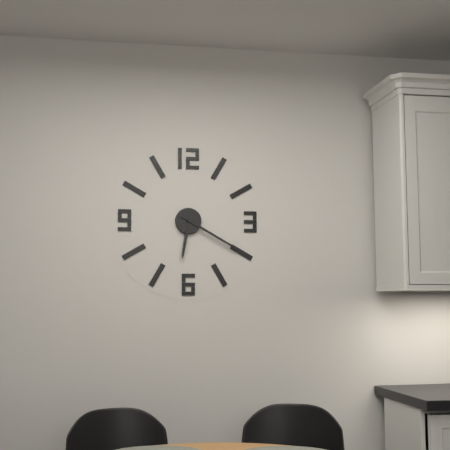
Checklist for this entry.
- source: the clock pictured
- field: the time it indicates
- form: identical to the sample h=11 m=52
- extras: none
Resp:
h=6 m=20
